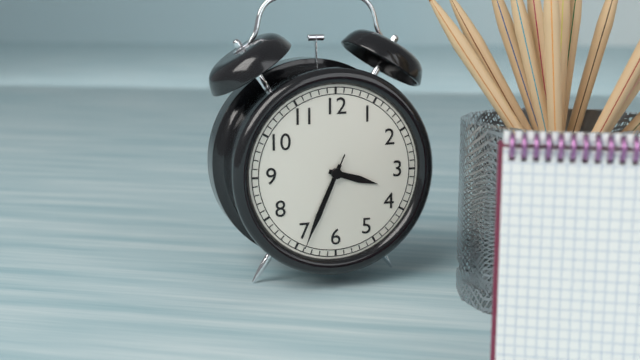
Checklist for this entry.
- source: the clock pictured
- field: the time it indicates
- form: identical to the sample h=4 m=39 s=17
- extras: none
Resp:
h=3 m=34 s=34
